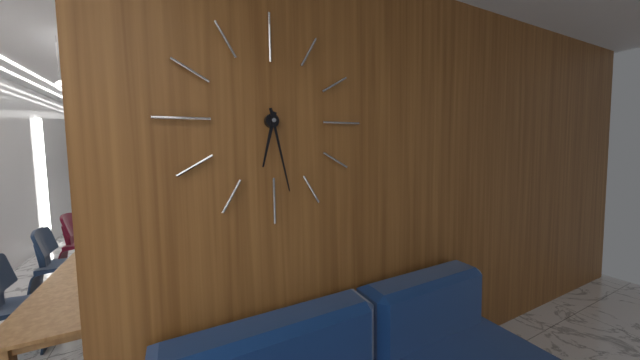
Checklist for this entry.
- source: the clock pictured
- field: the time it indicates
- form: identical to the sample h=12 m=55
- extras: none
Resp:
h=6 m=28
